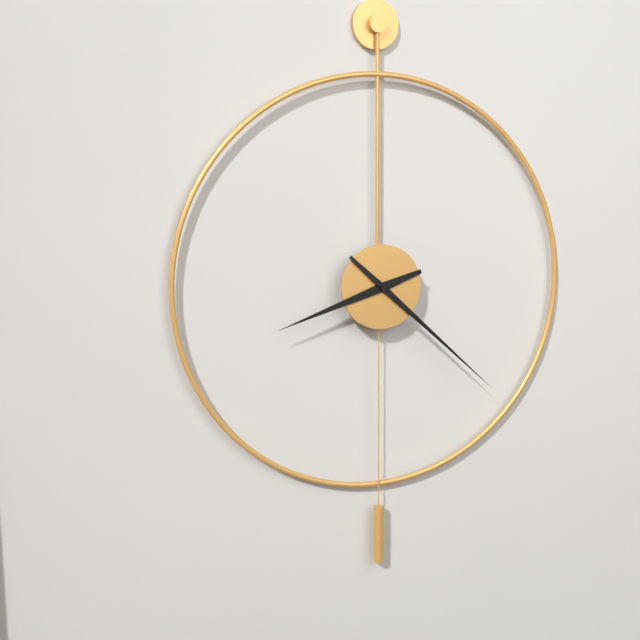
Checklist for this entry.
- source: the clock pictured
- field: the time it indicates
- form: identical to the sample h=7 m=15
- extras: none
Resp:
h=8 m=22
